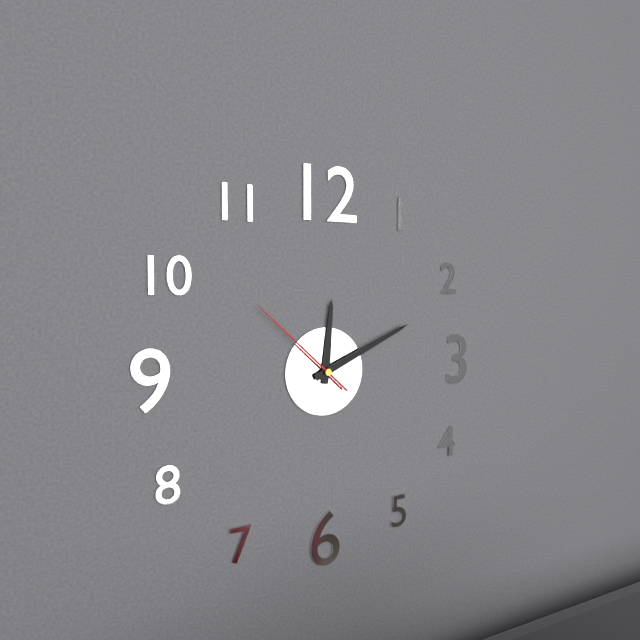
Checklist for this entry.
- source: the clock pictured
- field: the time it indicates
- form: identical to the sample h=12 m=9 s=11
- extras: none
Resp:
h=12 m=11 s=52
